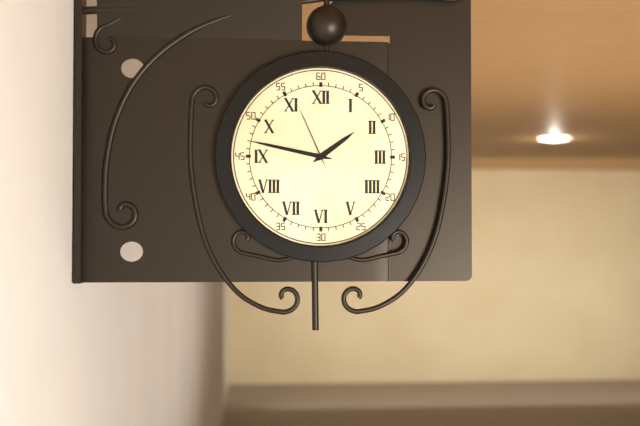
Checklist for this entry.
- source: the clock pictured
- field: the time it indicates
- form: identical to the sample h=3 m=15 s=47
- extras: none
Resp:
h=1 m=47 s=56
